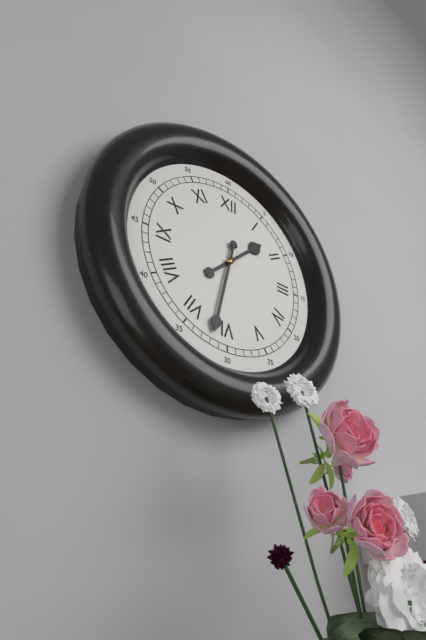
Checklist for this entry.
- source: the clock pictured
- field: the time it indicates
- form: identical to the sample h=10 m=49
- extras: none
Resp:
h=1 m=32
